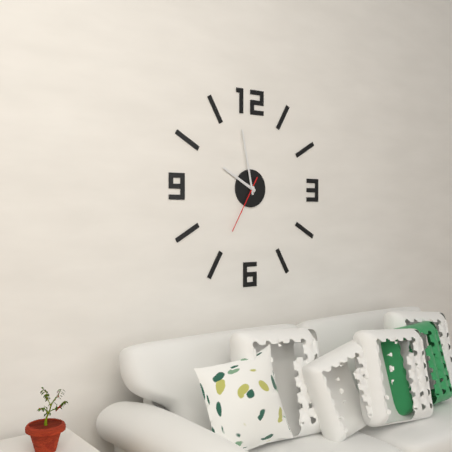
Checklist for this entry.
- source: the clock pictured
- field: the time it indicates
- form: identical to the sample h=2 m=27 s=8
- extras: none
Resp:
h=9 m=58 s=35
